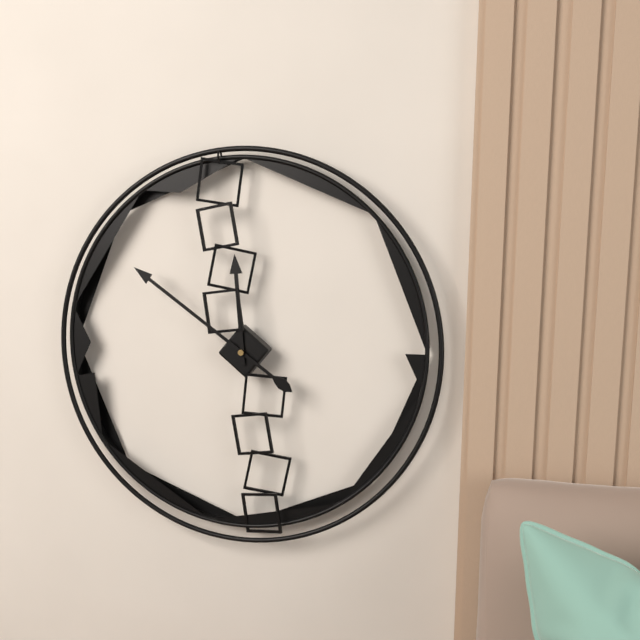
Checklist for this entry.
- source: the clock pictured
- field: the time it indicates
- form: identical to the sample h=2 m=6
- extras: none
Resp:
h=11 m=51
